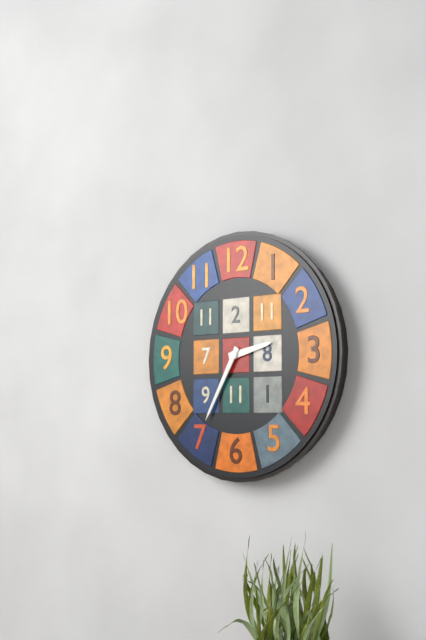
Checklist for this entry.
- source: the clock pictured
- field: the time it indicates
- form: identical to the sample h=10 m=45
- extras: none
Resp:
h=2 m=35
